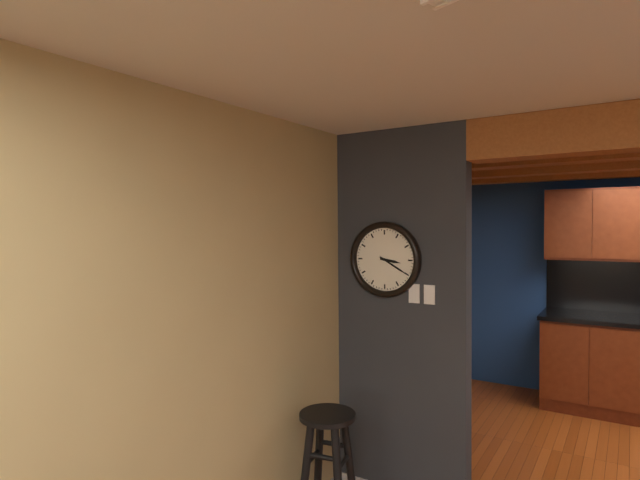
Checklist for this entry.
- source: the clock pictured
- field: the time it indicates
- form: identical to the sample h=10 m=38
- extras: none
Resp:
h=3 m=20
